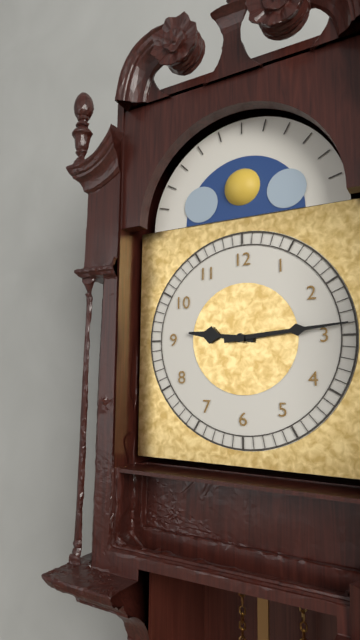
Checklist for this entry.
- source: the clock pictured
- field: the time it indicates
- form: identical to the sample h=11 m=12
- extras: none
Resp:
h=9 m=14
